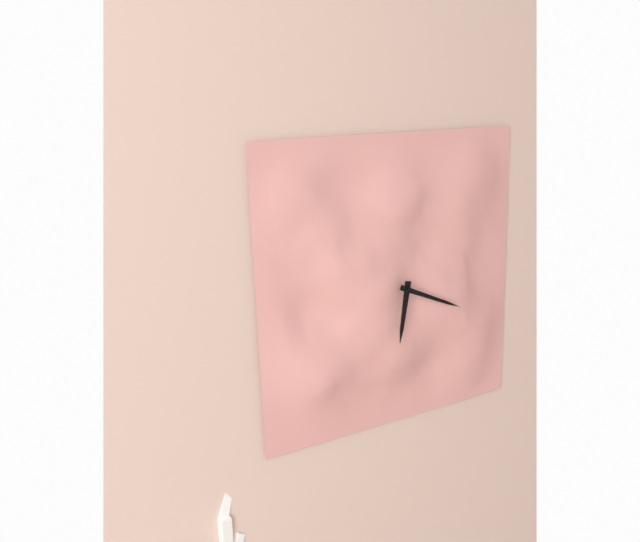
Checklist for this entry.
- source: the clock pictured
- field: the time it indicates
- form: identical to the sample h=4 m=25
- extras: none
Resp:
h=6 m=19
